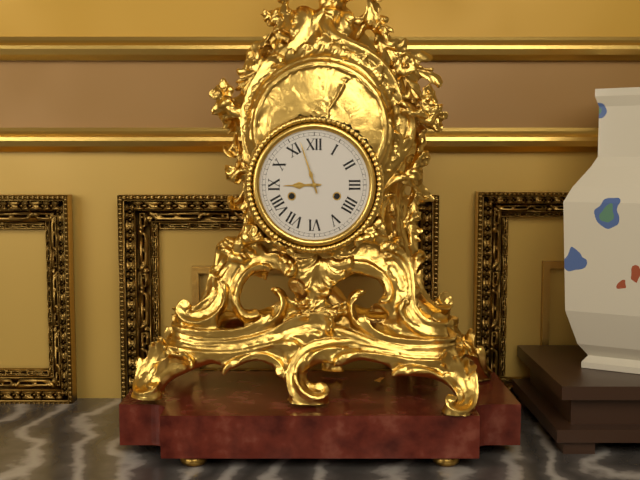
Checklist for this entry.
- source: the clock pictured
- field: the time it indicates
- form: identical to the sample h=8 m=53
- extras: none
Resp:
h=8 m=57
